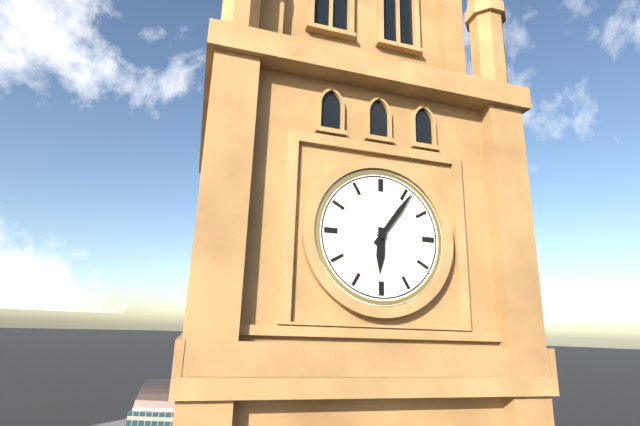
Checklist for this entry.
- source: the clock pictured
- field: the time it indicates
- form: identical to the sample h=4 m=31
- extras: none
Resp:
h=6 m=6
